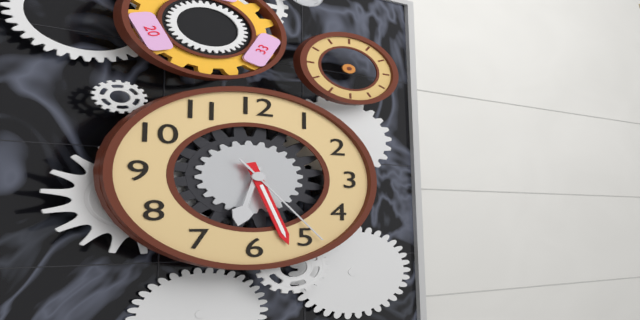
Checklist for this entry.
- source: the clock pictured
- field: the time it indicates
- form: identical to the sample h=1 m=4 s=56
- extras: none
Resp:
h=6 m=27 s=24
